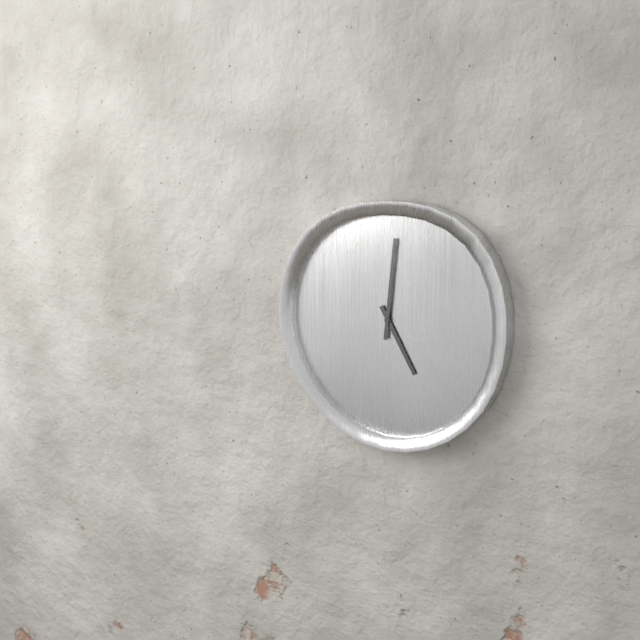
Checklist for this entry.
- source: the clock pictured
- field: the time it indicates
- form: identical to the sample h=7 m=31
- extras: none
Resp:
h=5 m=1
